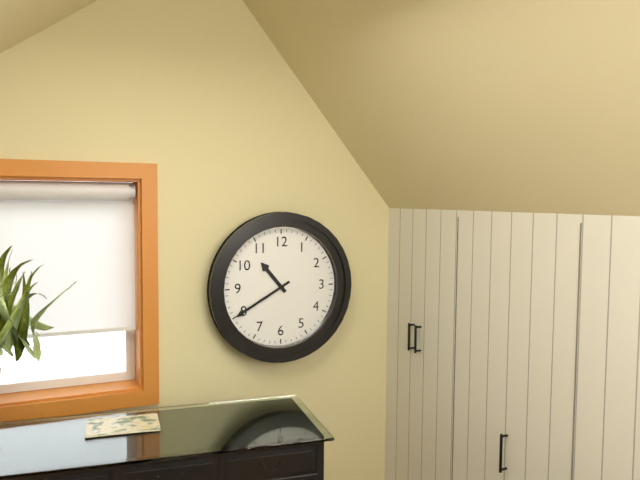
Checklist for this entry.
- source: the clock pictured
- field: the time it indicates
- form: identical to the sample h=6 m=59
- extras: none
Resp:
h=10 m=40
